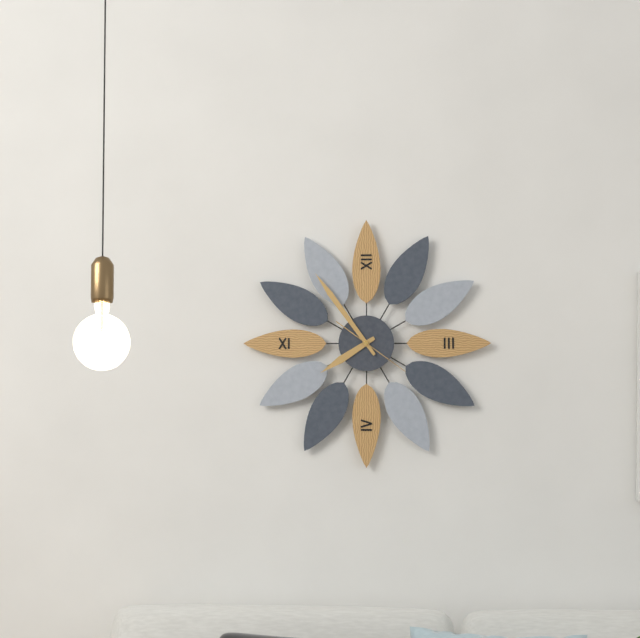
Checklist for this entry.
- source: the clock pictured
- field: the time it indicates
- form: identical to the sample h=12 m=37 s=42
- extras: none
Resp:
h=7 m=54 s=21
